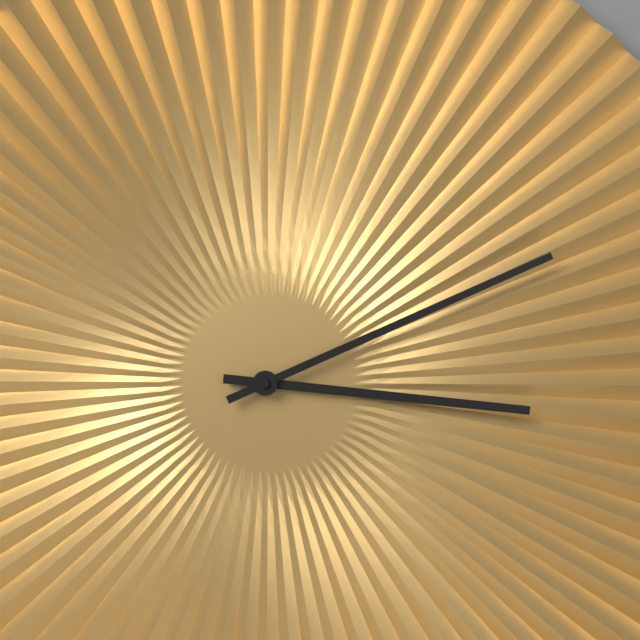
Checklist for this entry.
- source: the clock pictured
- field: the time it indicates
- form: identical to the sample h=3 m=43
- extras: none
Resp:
h=3 m=11
